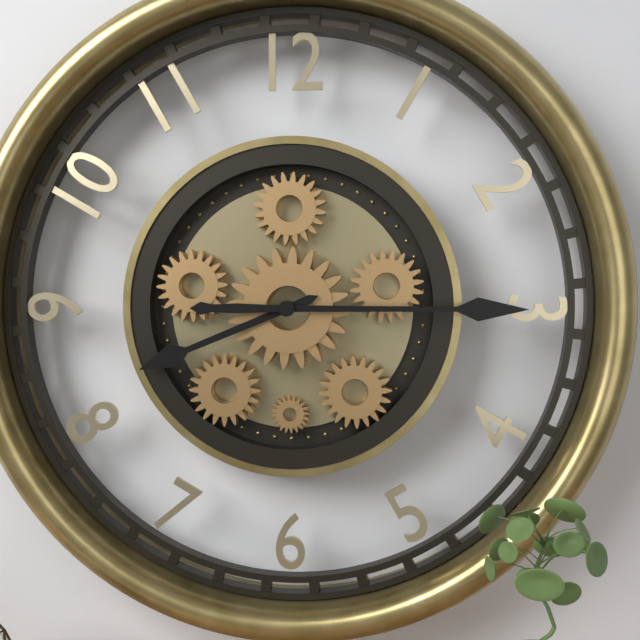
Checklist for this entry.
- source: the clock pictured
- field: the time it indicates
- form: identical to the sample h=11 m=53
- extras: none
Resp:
h=8 m=15
